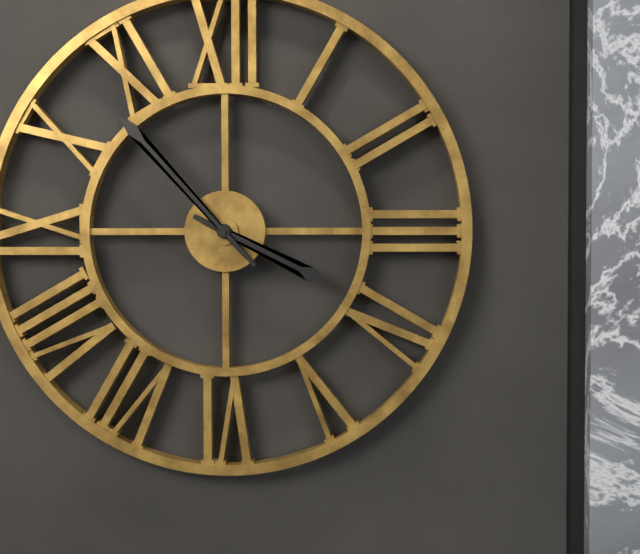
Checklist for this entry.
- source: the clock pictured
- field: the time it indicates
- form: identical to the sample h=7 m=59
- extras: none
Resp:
h=3 m=53
